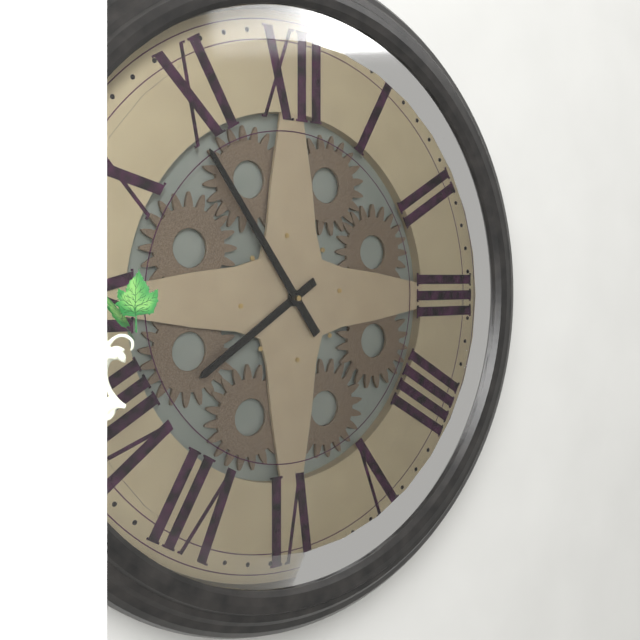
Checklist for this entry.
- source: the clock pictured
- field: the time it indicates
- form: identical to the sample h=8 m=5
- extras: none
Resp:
h=7 m=54
